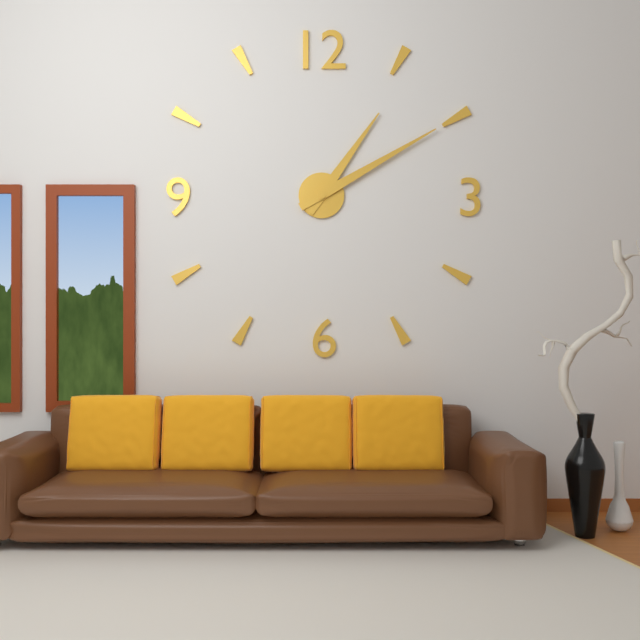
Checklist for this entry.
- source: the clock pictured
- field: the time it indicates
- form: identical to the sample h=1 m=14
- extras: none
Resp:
h=1 m=10
